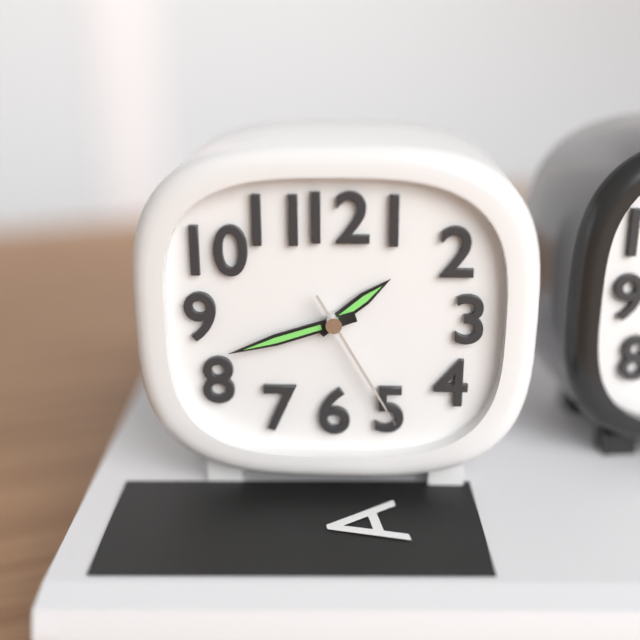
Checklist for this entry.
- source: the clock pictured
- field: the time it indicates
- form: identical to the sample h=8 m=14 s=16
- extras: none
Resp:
h=1 m=42 s=25
